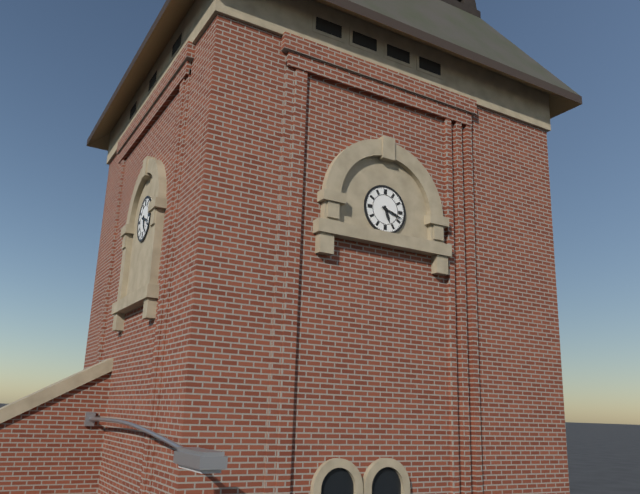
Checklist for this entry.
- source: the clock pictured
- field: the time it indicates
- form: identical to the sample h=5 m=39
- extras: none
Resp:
h=5 m=18
